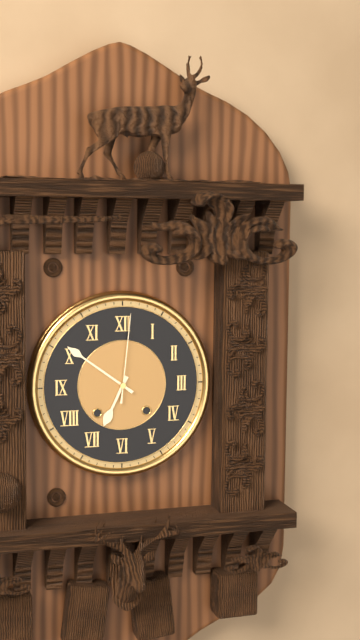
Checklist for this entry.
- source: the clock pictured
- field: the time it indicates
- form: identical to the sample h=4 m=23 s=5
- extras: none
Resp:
h=6 m=51 s=1
